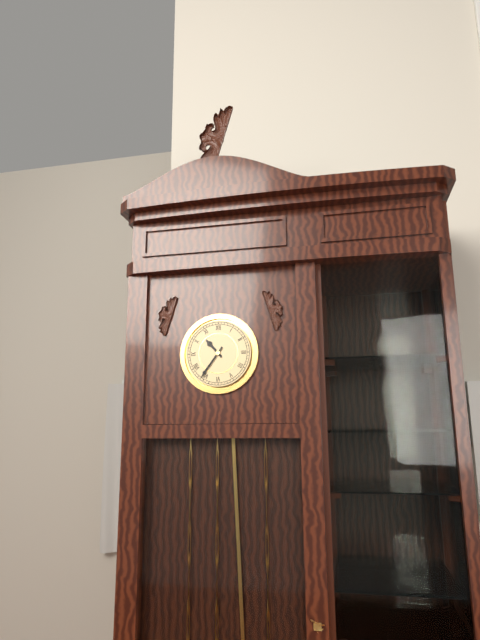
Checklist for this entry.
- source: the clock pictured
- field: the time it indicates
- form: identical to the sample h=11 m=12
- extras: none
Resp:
h=10 m=36
